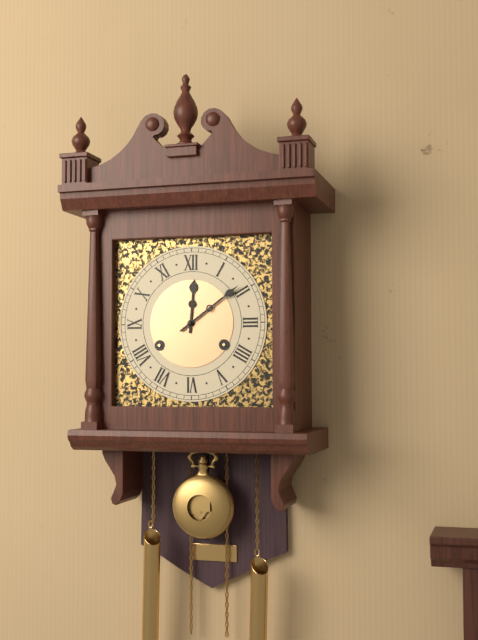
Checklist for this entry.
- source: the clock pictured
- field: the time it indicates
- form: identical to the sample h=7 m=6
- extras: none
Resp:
h=12 m=9
